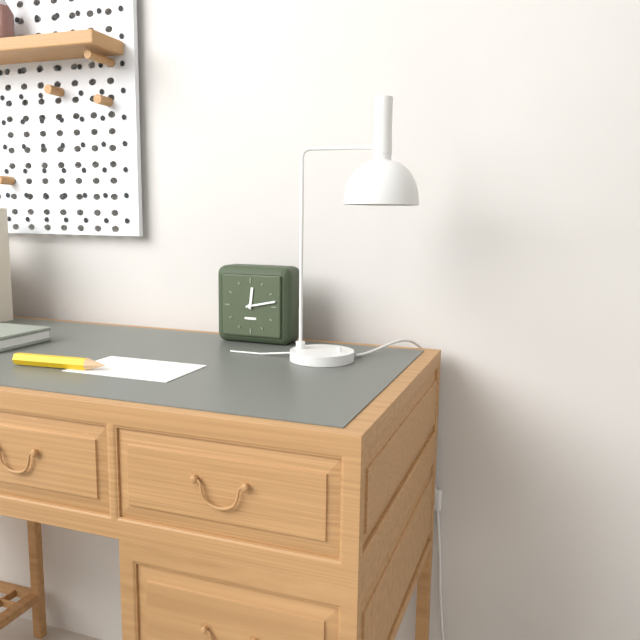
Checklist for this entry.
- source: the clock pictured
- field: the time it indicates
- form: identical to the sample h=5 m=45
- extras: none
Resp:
h=12 m=13
